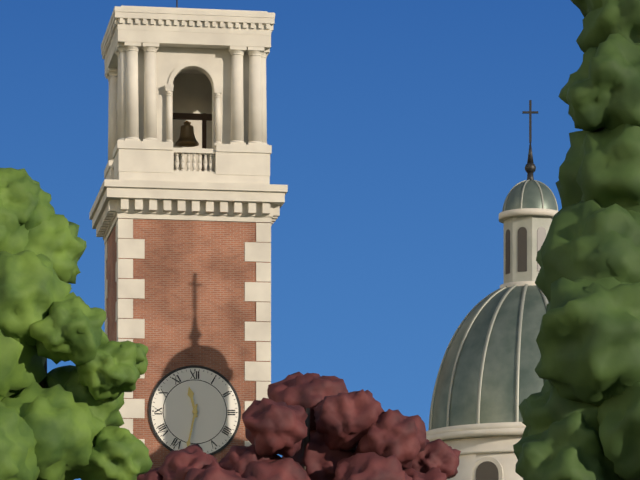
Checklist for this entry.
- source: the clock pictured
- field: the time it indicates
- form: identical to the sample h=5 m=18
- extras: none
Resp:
h=11 m=32
